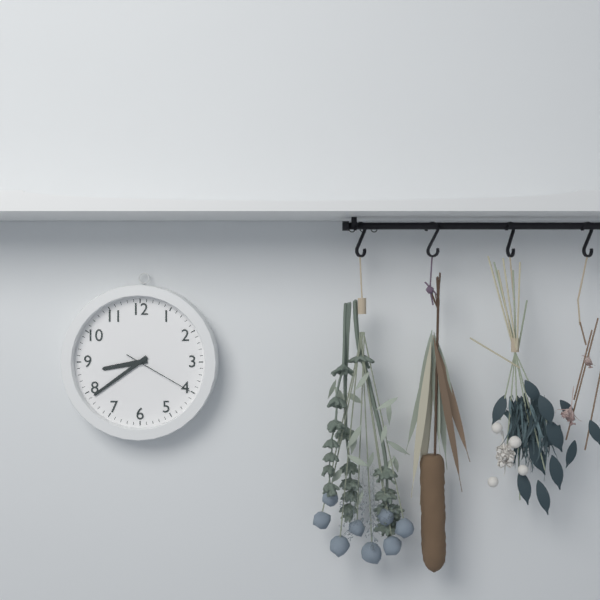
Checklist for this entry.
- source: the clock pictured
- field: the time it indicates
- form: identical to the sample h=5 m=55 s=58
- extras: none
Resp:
h=8 m=39 s=20
